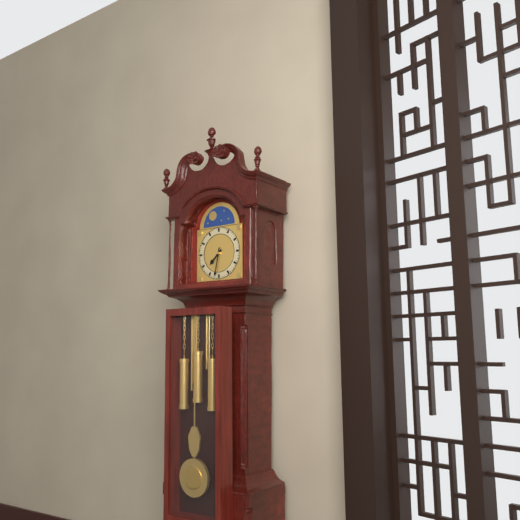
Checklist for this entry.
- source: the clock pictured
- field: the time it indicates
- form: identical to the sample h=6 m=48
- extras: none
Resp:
h=7 m=32
